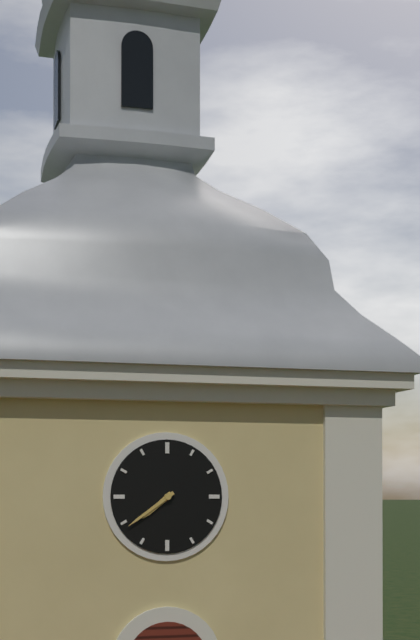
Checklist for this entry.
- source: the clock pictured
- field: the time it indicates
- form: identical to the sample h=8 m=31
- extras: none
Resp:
h=7 m=39
